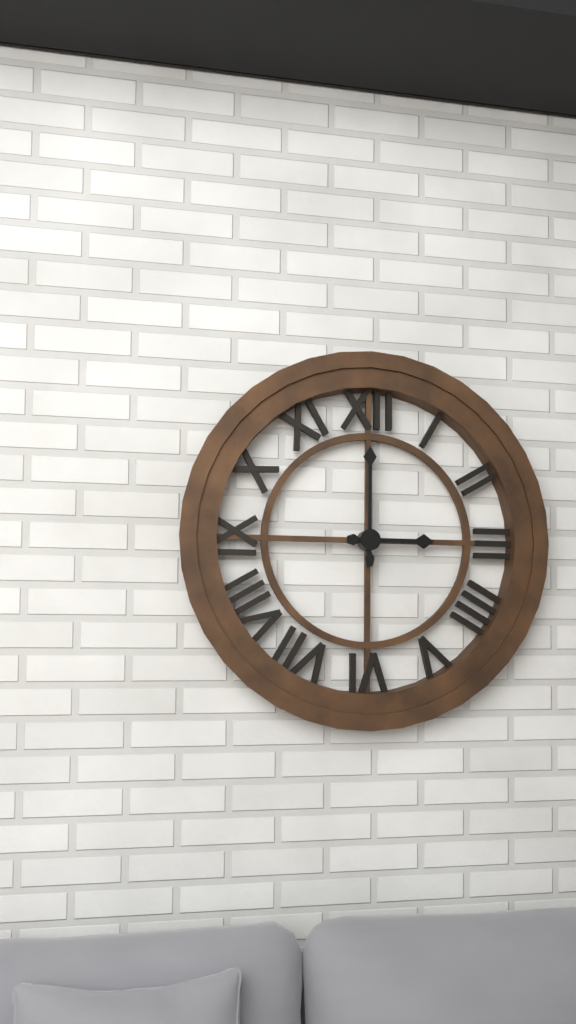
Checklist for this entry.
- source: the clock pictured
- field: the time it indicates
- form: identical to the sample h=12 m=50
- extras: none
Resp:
h=3 m=0
